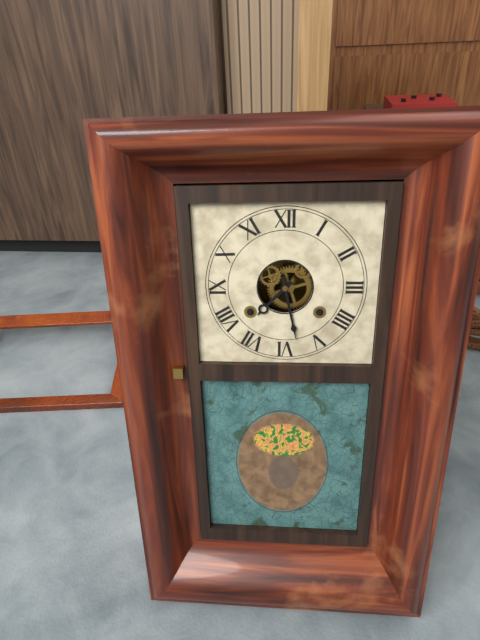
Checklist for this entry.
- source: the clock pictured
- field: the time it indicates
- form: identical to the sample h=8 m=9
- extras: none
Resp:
h=7 m=28
